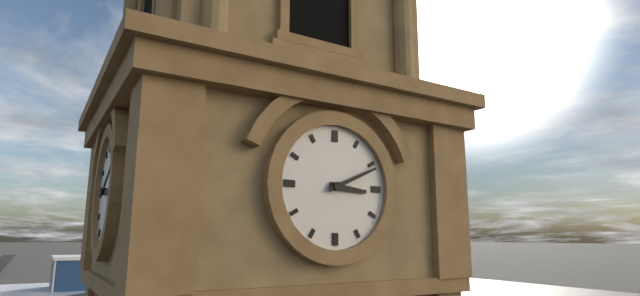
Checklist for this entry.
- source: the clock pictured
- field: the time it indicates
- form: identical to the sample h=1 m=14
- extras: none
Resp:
h=3 m=11
